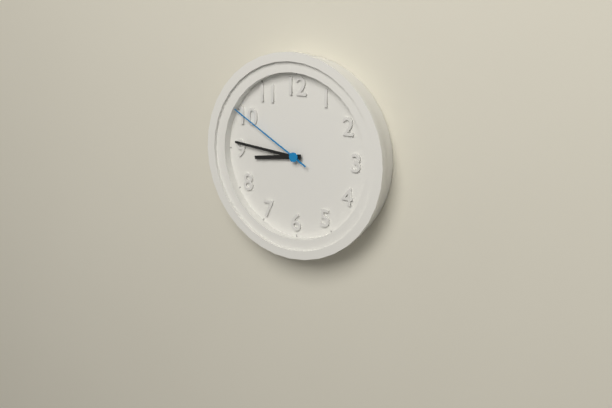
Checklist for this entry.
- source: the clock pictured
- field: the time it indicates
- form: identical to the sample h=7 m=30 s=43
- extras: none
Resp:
h=8 m=46 s=50
